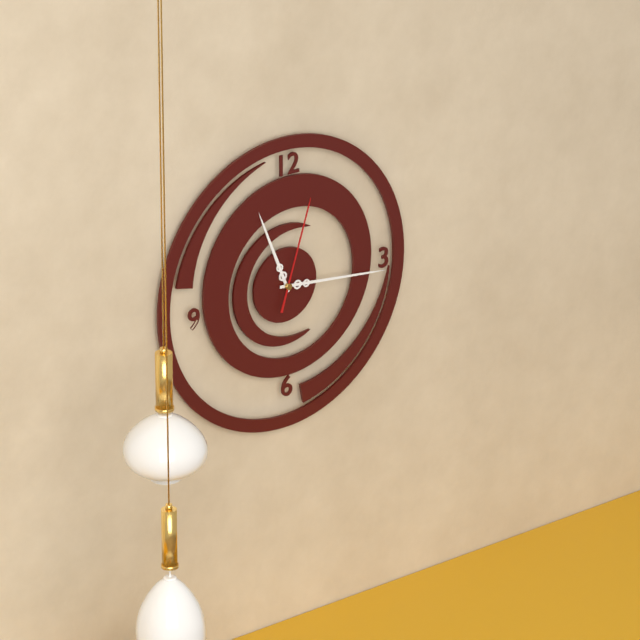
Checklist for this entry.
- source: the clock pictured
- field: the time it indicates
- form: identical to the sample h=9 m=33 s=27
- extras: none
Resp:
h=11 m=16 s=3
